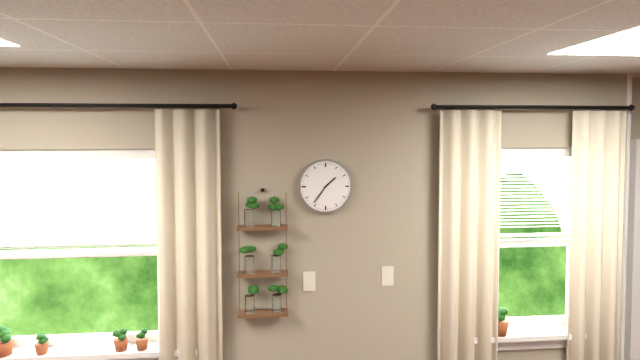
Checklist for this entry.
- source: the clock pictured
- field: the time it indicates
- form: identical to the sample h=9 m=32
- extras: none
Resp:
h=1 m=36
